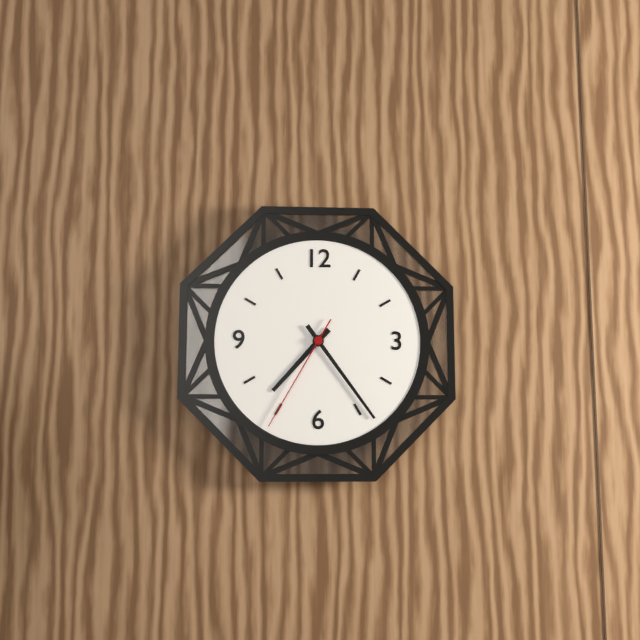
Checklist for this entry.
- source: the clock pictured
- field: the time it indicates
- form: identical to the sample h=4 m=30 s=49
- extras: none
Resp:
h=7 m=24 s=35
